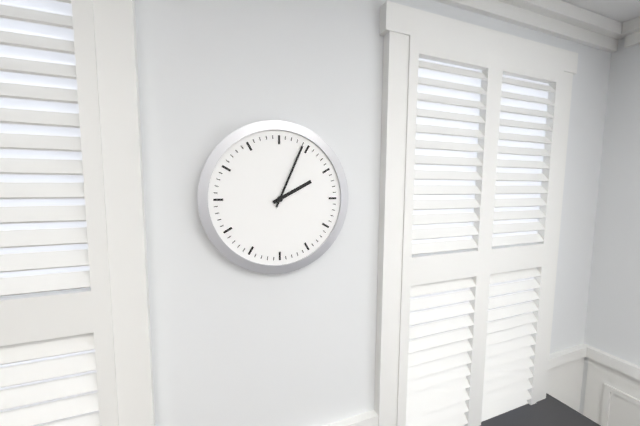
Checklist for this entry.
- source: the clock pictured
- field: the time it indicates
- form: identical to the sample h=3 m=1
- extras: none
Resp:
h=2 m=4
